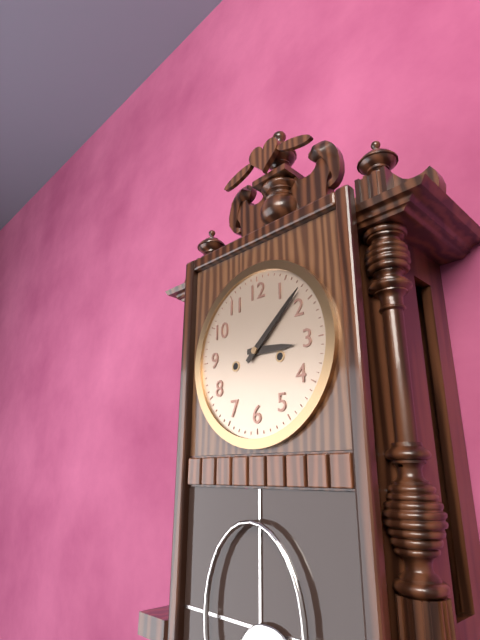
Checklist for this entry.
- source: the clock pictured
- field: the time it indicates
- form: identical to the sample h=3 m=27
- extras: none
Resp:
h=3 m=8
